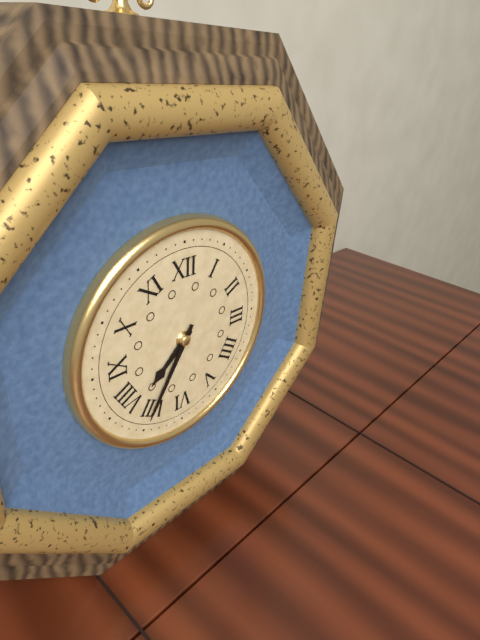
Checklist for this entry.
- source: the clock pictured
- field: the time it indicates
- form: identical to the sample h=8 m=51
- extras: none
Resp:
h=7 m=35
